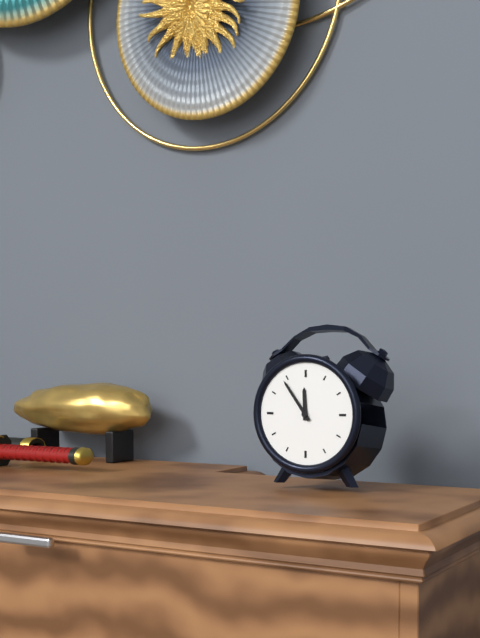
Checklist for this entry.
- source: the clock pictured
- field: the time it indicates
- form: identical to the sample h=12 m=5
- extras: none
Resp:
h=11 m=54
